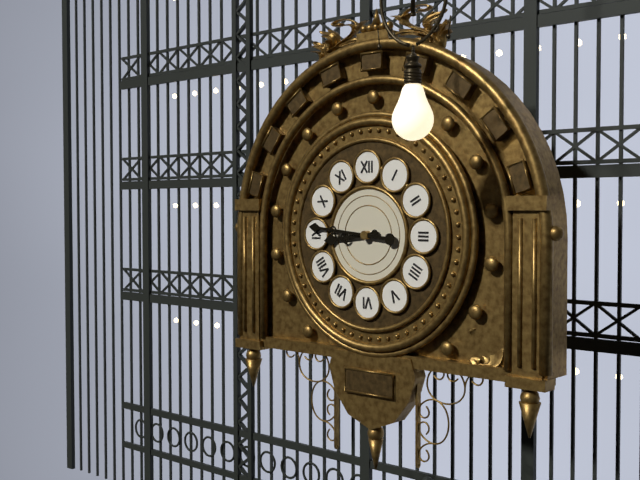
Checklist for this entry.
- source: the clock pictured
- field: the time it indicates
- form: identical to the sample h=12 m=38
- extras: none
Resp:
h=8 m=46
